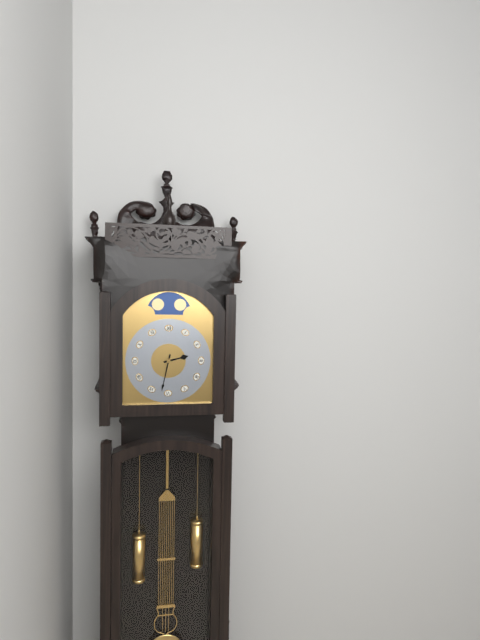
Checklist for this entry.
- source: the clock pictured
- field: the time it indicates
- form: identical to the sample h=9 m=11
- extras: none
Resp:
h=2 m=32
